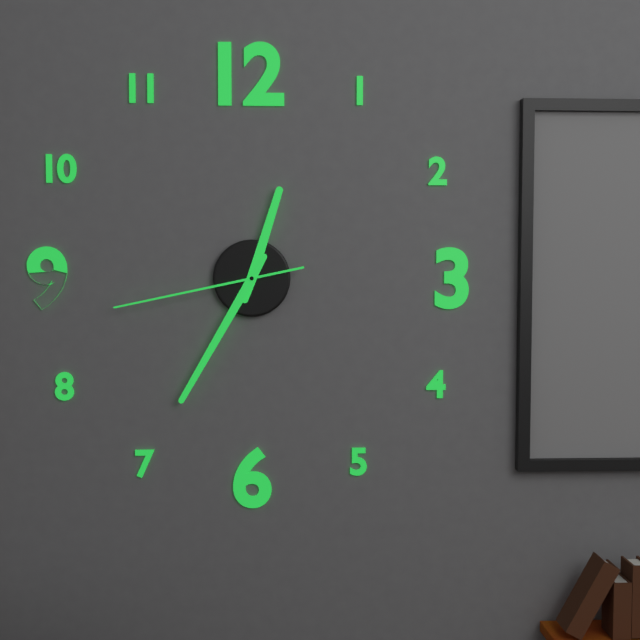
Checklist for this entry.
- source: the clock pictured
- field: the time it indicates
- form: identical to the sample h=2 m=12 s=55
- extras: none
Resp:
h=12 m=35 s=43
